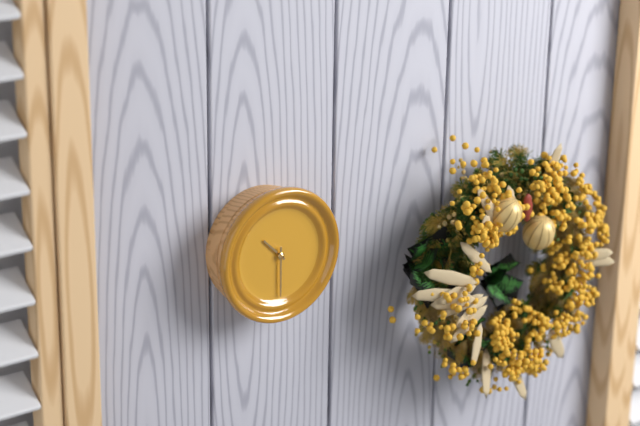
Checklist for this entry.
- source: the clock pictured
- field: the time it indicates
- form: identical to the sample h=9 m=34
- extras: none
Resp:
h=10 m=30
